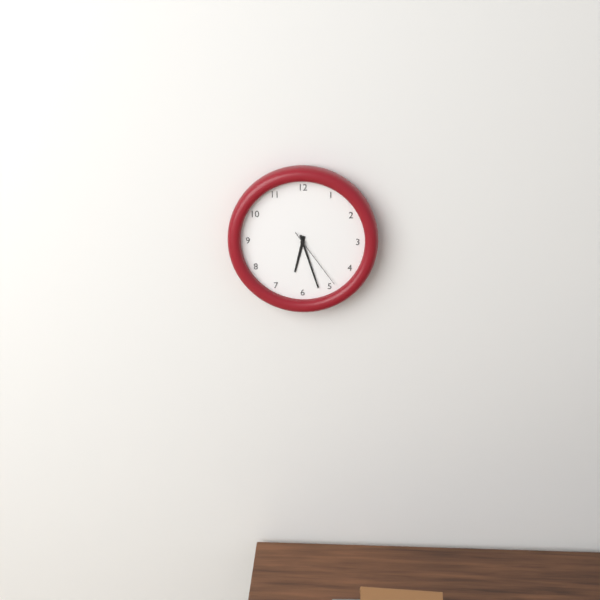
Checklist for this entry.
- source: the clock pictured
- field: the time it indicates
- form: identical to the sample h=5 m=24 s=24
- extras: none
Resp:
h=6 m=27 s=24
